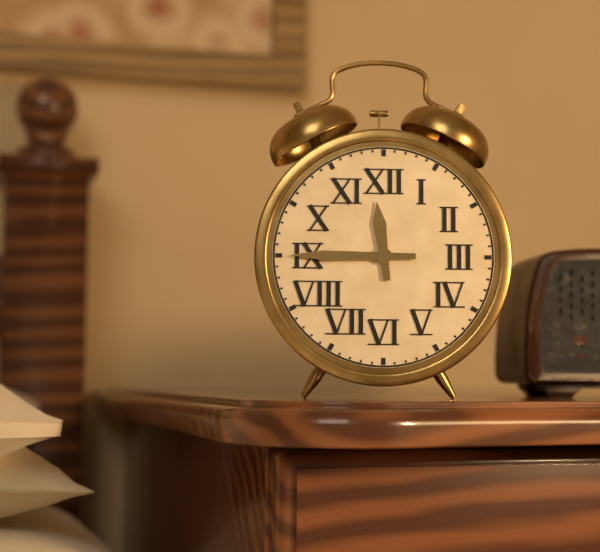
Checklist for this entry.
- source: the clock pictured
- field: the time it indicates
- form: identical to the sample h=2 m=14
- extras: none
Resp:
h=11 m=45
